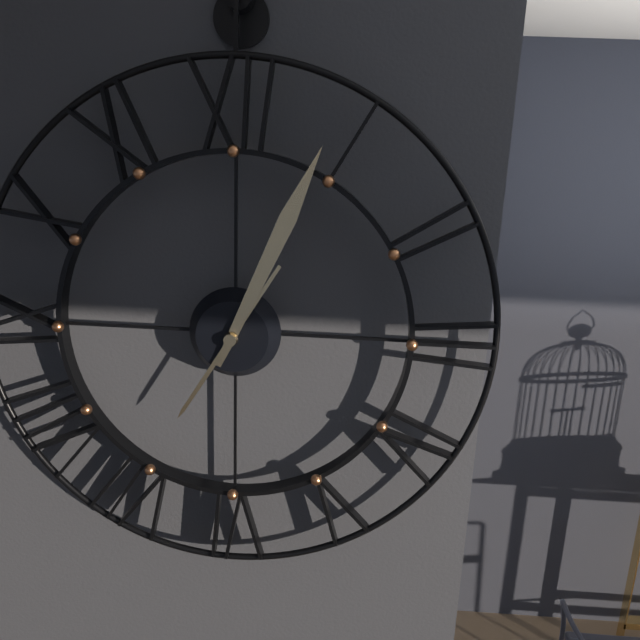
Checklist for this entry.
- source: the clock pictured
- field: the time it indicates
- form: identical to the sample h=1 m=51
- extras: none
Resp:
h=7 m=4
